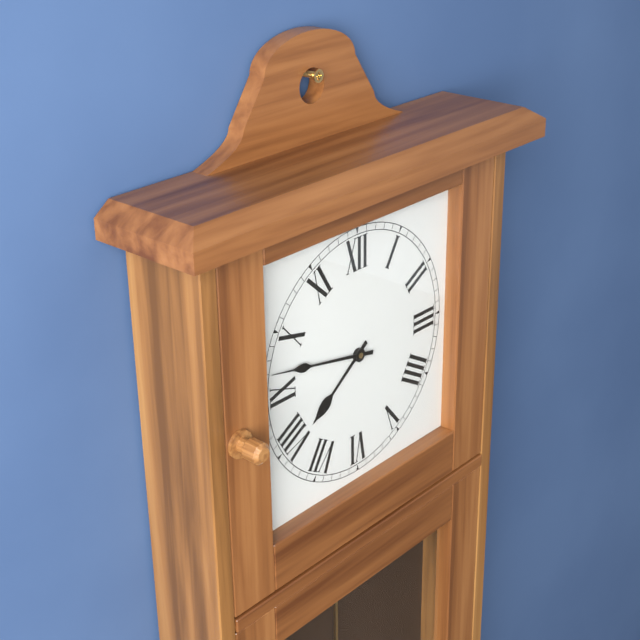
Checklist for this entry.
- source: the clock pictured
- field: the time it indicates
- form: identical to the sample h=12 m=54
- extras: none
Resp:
h=7 m=47
